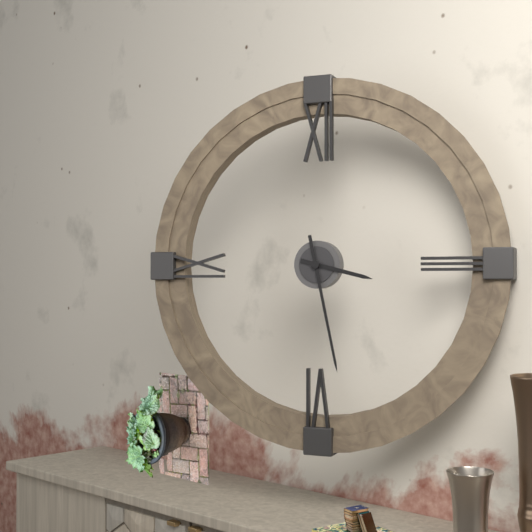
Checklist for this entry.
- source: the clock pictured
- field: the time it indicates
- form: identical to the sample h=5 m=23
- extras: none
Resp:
h=3 m=28
